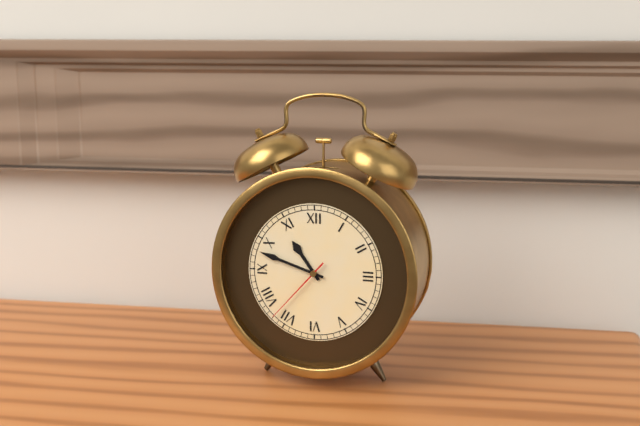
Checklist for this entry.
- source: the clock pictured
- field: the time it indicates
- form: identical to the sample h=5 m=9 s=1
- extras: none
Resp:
h=10 m=48 s=37
